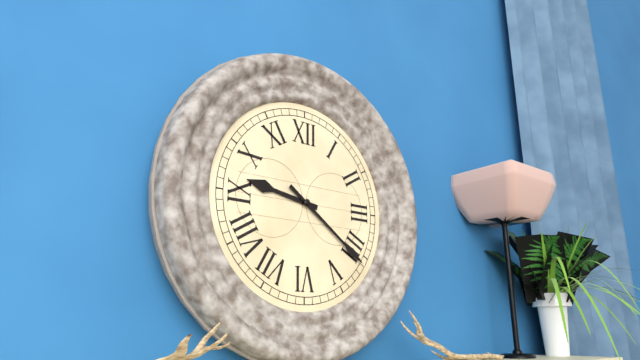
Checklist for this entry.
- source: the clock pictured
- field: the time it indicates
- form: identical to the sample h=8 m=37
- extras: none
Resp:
h=9 m=21
